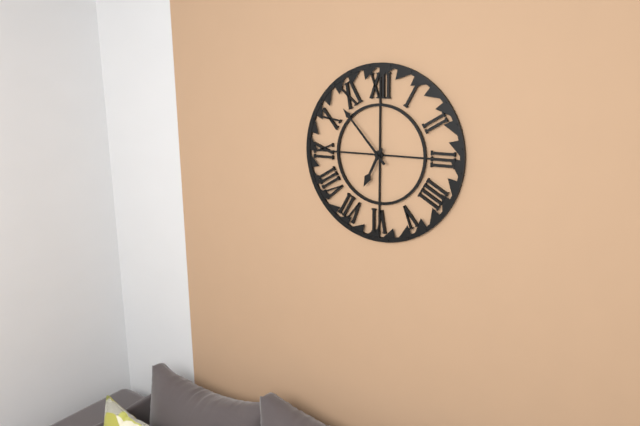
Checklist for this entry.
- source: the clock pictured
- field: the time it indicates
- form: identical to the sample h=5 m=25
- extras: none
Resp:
h=6 m=53
